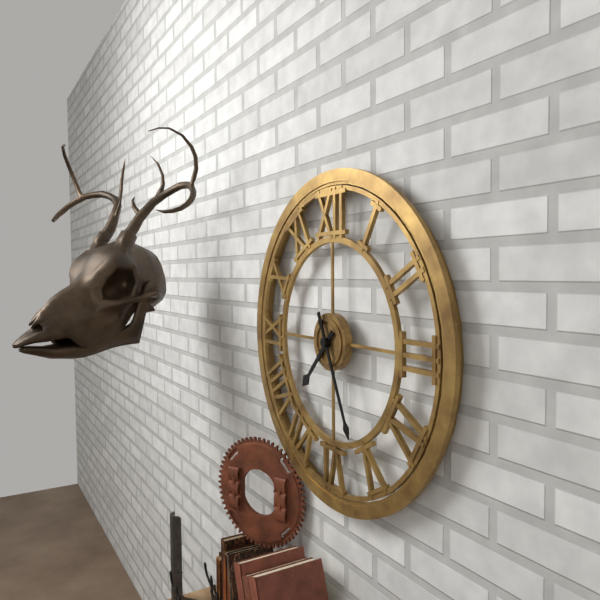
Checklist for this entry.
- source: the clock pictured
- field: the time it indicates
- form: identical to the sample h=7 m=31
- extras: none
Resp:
h=7 m=26
